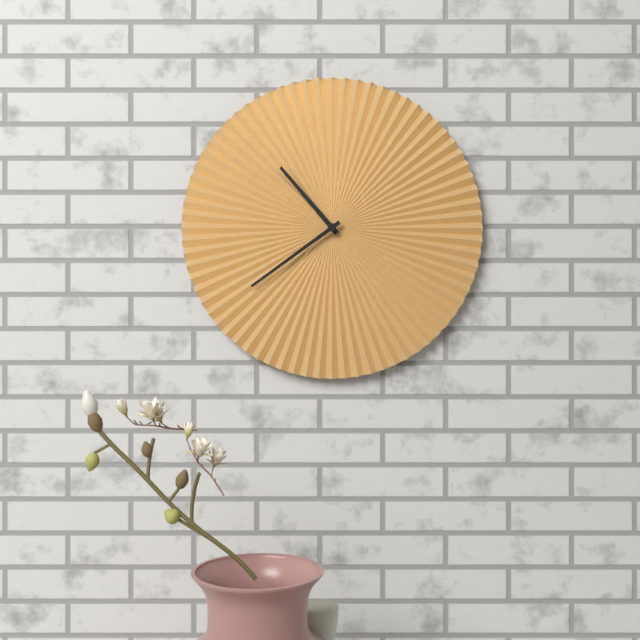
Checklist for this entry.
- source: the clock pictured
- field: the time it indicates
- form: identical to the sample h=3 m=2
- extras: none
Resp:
h=10 m=39
